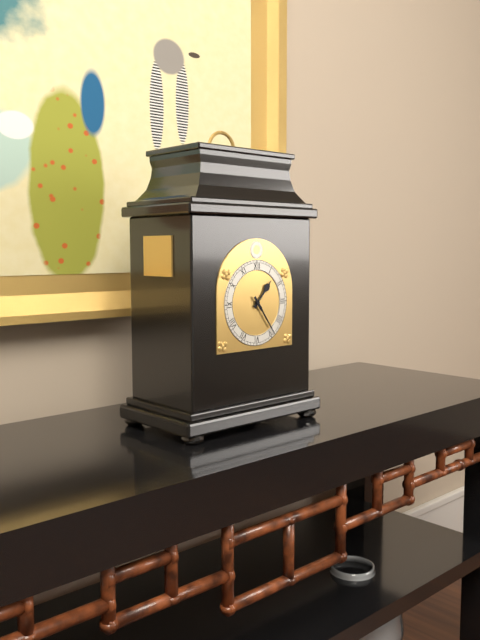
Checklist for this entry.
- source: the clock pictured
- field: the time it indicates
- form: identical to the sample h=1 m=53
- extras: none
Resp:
h=1 m=24
